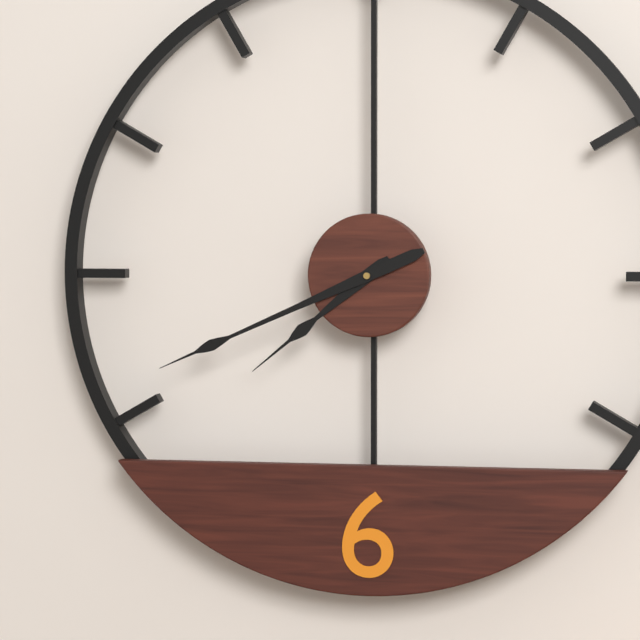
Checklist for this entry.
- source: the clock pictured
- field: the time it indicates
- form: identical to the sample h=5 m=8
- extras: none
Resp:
h=7 m=41
